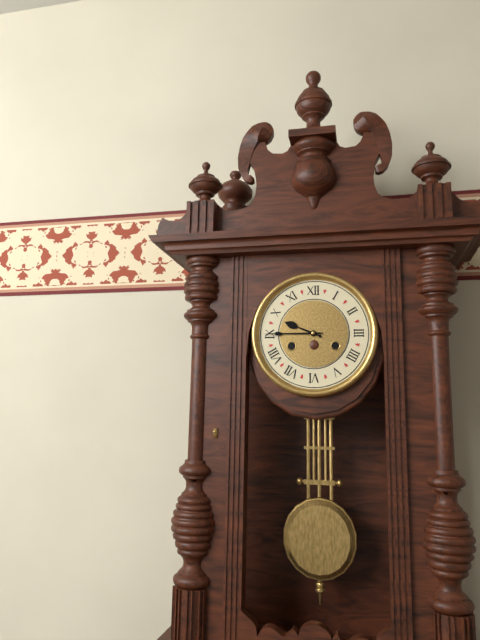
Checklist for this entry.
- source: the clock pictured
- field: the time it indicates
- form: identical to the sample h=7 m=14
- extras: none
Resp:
h=9 m=45
